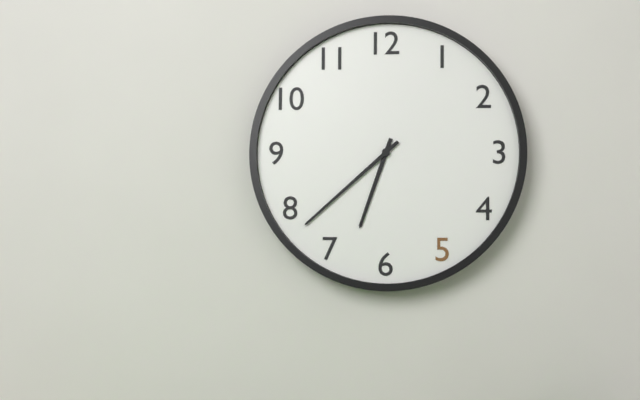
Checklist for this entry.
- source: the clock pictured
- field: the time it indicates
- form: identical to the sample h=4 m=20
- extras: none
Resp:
h=6 m=38
